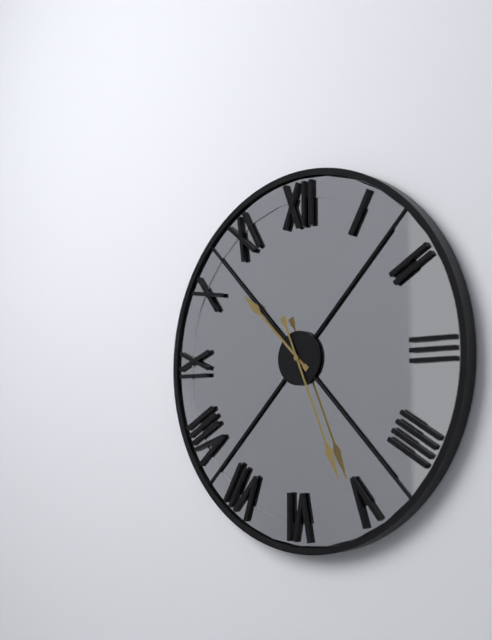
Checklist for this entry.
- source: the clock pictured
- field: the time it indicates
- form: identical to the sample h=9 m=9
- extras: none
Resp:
h=10 m=26
